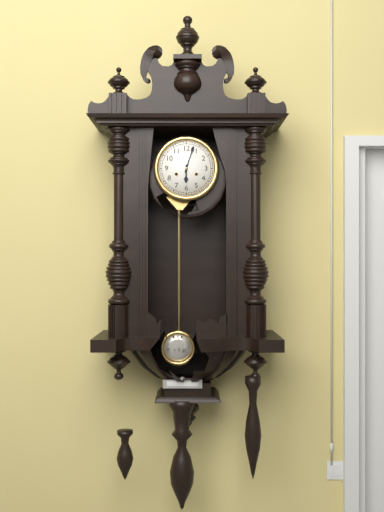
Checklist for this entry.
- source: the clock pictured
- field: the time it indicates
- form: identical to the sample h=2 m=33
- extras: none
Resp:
h=6 m=3
